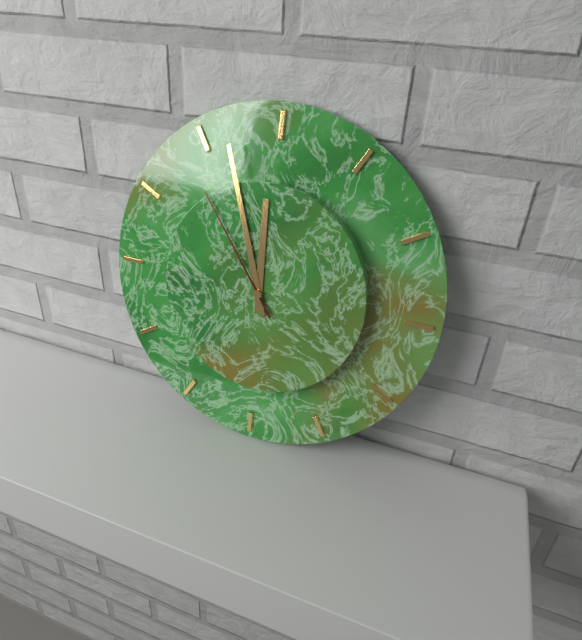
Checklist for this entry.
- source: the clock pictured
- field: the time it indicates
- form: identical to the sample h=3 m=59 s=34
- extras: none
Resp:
h=11 m=57 s=54
